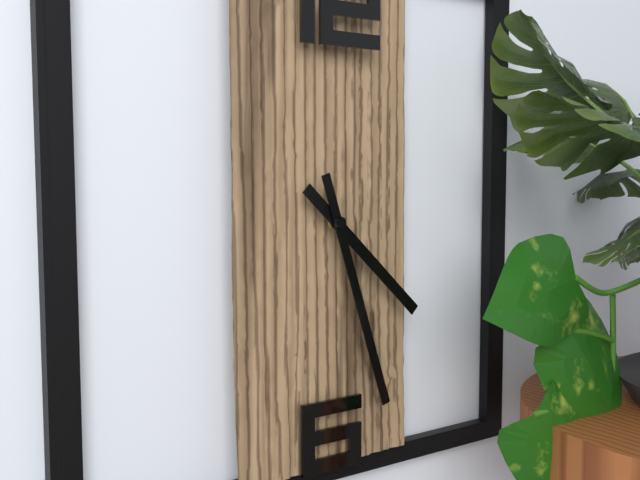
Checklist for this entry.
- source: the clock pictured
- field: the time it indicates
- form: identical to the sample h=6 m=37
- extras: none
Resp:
h=4 m=27
